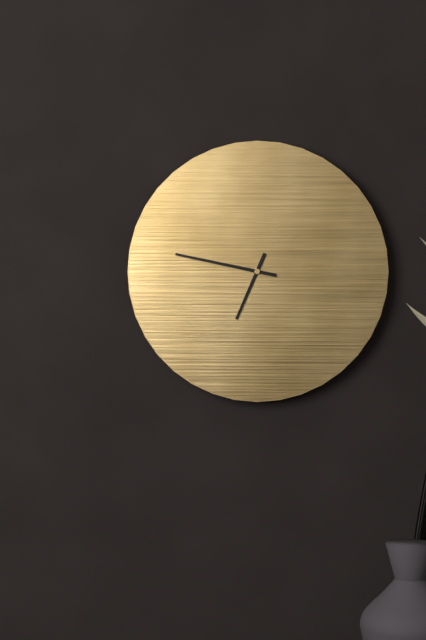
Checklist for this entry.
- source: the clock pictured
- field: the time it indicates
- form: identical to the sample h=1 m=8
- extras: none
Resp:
h=6 m=47
